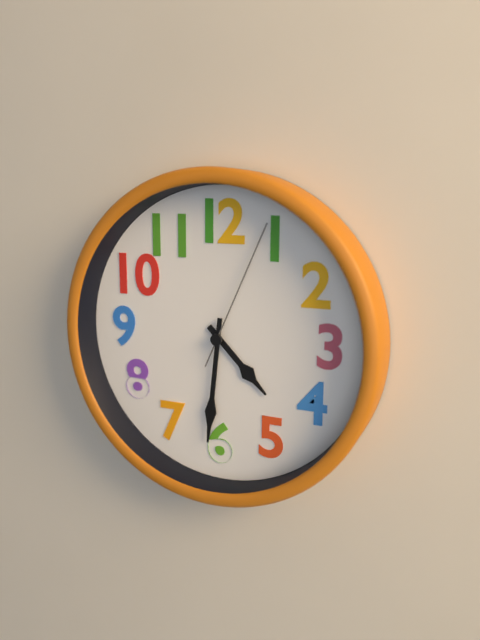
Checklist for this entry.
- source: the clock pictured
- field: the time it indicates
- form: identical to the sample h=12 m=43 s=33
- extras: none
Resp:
h=4 m=31 s=4
